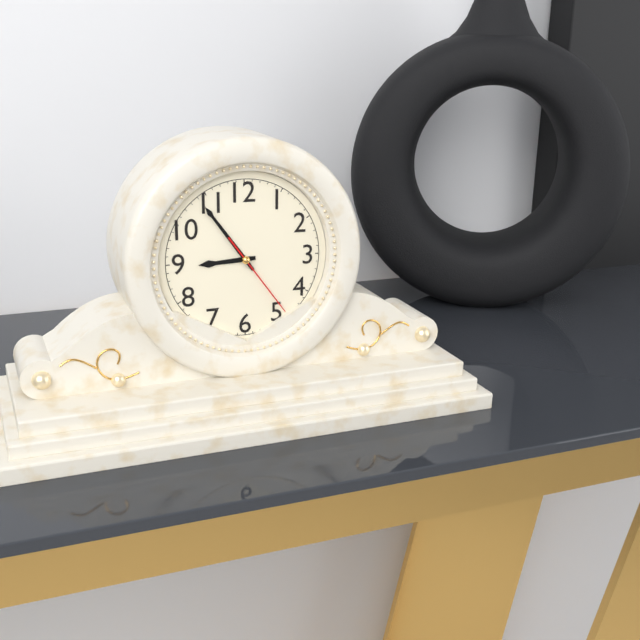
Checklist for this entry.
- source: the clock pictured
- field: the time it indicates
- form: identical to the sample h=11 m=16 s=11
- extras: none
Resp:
h=8 m=54 s=24
